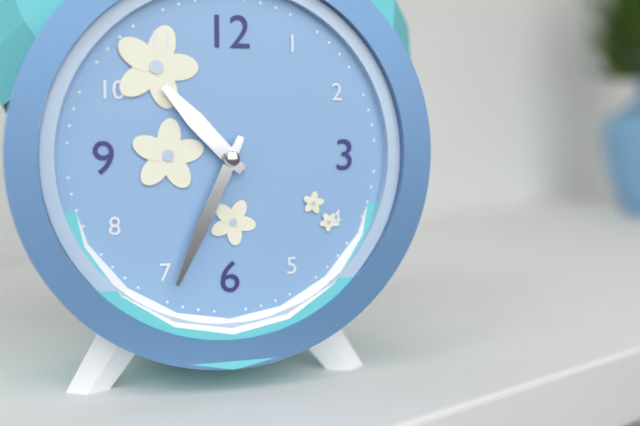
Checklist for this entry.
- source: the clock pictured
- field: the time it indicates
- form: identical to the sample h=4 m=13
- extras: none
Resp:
h=10 m=34
